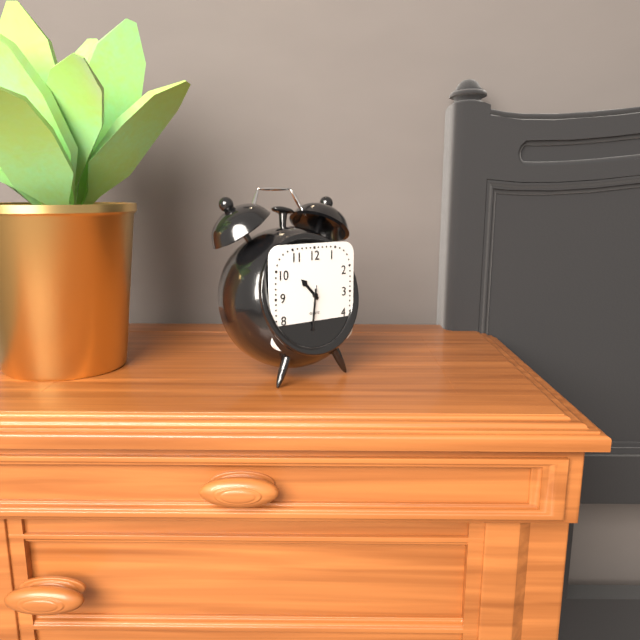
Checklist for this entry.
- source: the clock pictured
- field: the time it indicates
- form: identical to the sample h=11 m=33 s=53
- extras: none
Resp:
h=10 m=31 s=31
